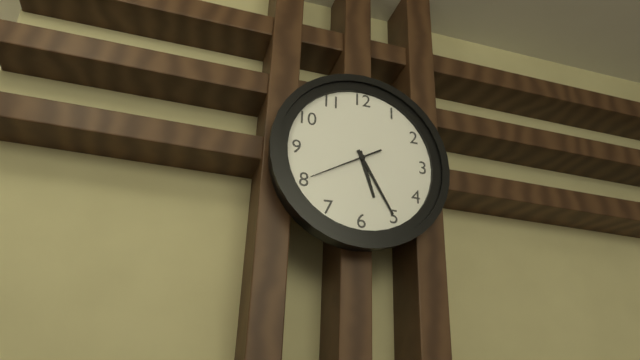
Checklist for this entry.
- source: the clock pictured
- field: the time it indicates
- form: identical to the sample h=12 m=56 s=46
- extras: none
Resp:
h=5 m=25 s=40
